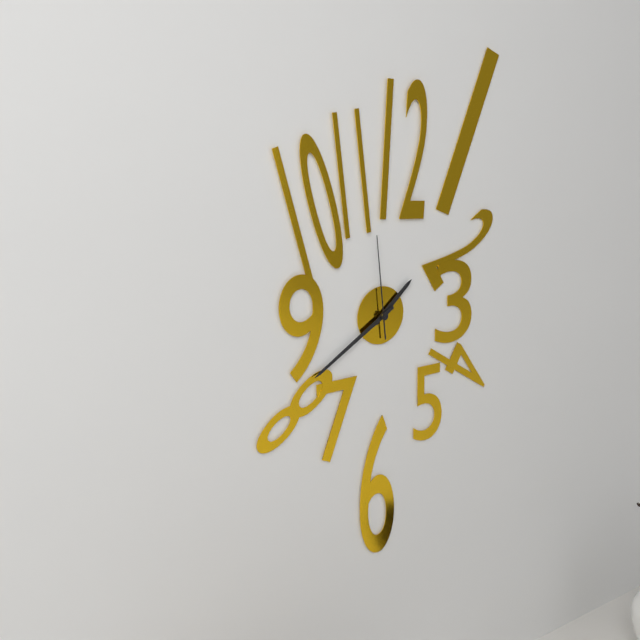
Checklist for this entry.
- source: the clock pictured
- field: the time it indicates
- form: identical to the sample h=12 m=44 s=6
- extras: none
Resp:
h=1 m=40 s=59
